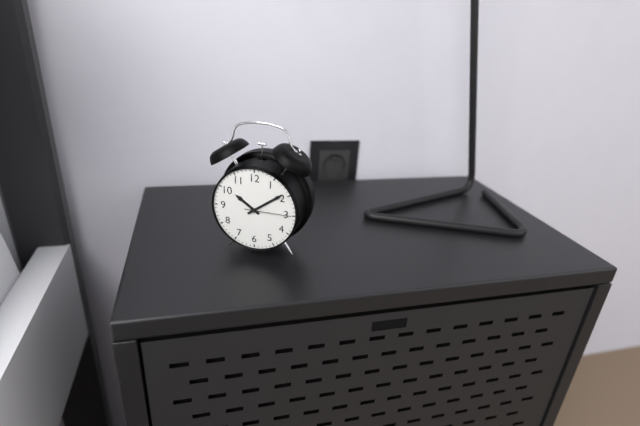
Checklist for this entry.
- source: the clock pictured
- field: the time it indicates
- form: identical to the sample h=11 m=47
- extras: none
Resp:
h=10 m=9
